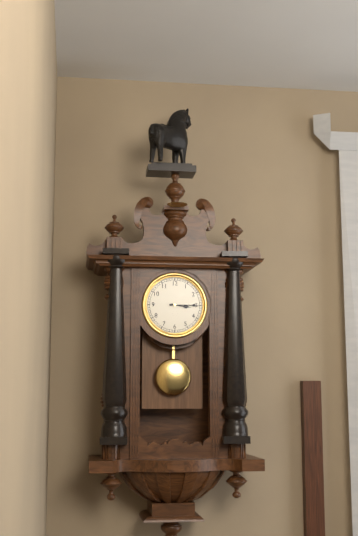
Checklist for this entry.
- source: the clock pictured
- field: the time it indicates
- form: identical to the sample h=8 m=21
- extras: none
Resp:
h=3 m=15
